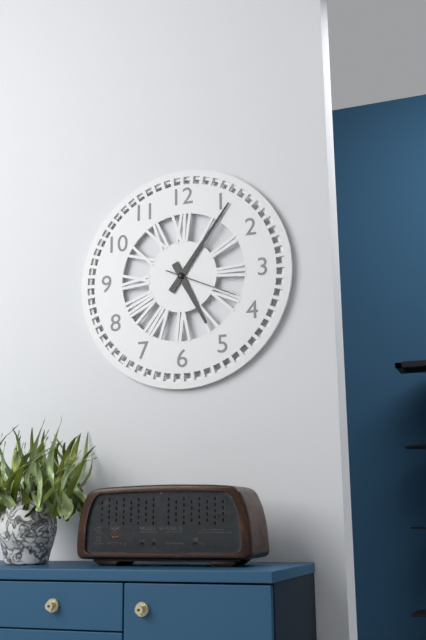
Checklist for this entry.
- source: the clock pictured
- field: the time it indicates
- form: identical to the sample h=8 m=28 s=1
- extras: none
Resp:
h=5 m=6 s=19
